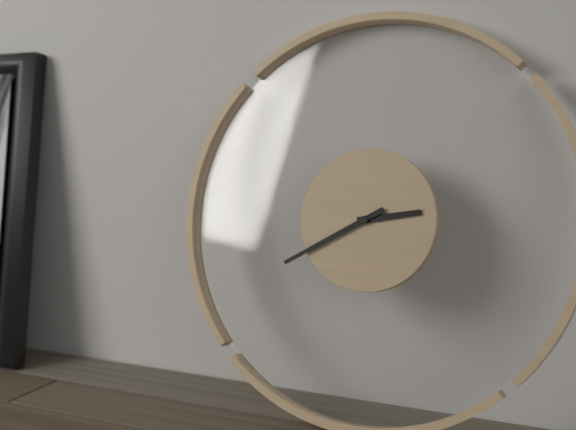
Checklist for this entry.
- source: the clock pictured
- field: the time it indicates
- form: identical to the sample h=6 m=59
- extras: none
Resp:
h=2 m=40
